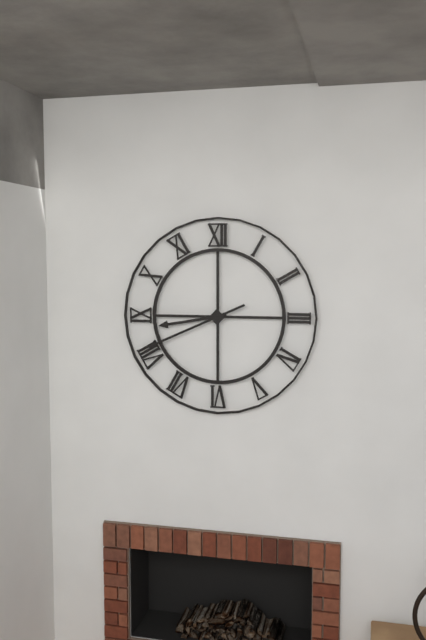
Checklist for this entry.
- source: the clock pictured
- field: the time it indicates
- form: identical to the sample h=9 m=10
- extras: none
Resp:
h=8 m=41
